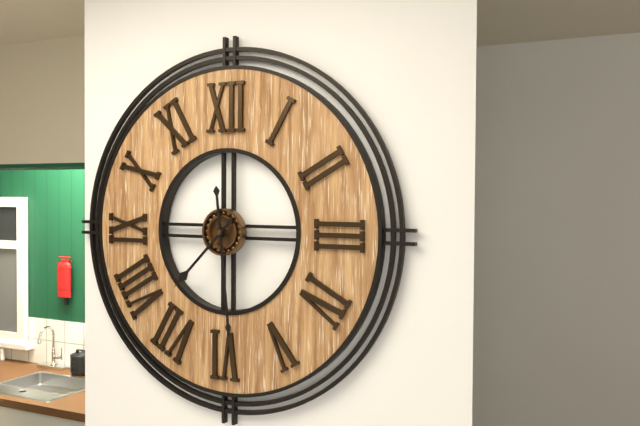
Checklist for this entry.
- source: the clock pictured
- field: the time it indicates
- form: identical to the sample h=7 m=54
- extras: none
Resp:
h=7 m=29
